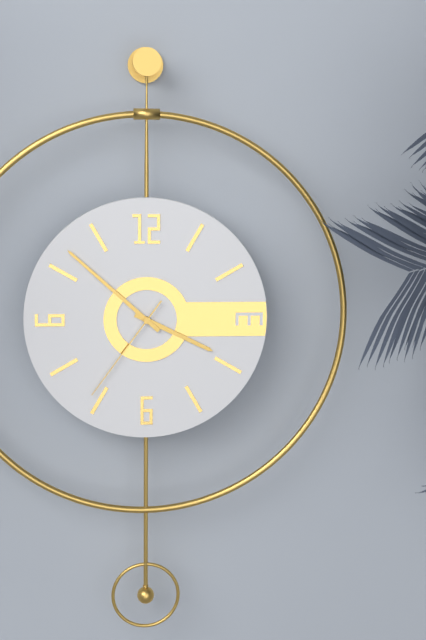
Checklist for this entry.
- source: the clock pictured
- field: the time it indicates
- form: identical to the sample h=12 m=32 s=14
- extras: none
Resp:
h=3 m=52 s=36
